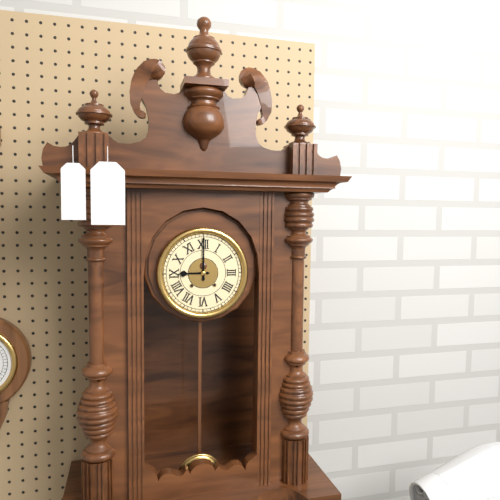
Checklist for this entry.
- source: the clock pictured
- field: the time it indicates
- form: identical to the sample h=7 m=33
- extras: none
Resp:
h=9 m=0
